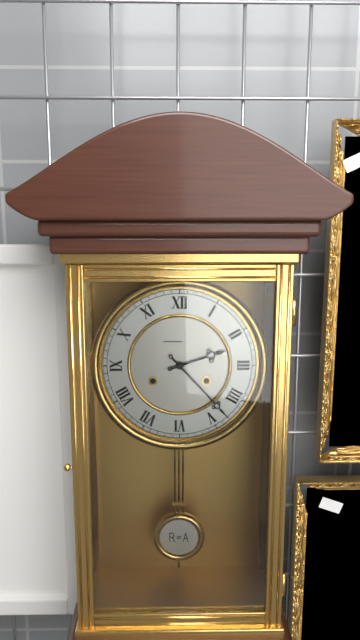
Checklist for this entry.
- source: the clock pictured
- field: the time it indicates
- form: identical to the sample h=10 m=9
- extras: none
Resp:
h=2 m=23
